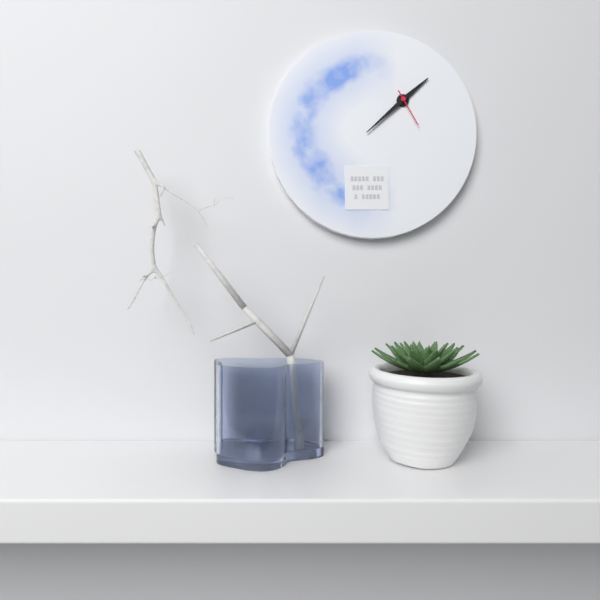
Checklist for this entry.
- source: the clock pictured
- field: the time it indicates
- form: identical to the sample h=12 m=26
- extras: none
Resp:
h=1 m=38
